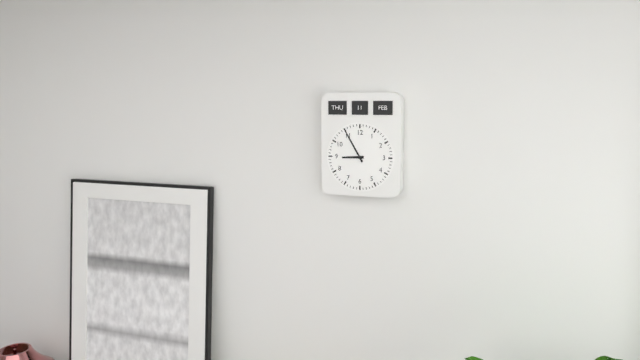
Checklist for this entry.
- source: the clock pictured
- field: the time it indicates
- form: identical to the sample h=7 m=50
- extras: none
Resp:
h=8 m=55
